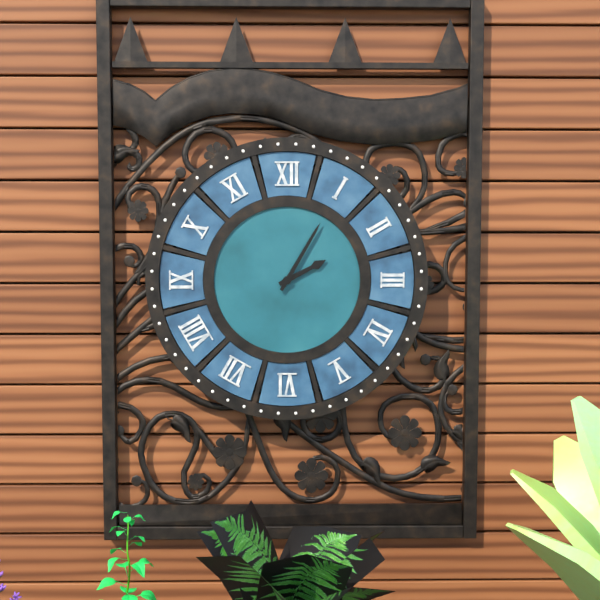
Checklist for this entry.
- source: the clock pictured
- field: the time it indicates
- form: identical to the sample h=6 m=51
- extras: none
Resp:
h=2 m=5
